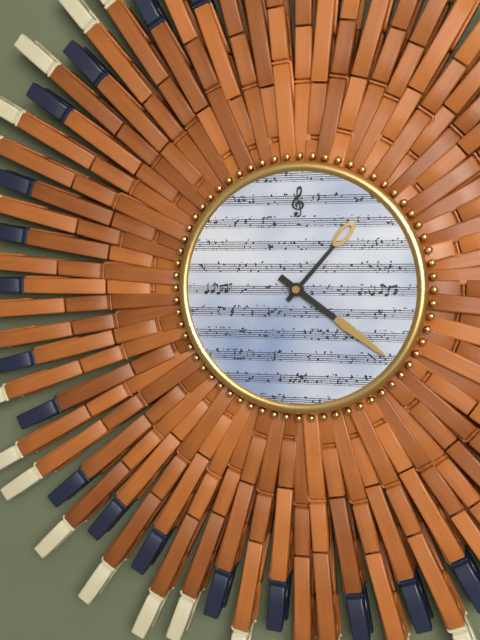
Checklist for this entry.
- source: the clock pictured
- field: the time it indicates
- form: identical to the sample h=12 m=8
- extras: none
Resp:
h=1 m=21
